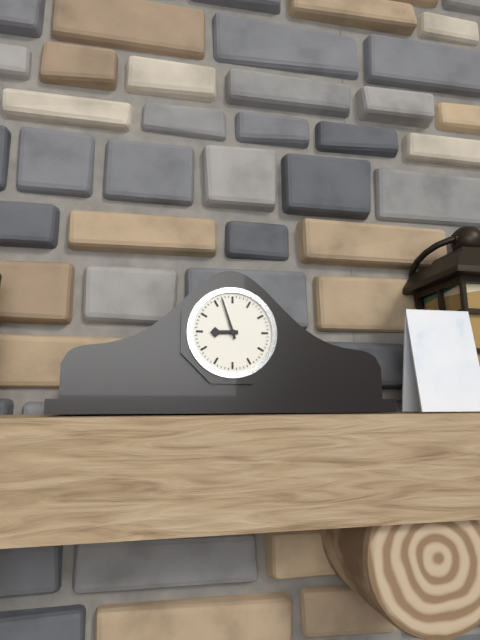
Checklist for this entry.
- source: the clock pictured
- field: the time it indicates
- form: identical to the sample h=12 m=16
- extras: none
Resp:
h=8 m=57
